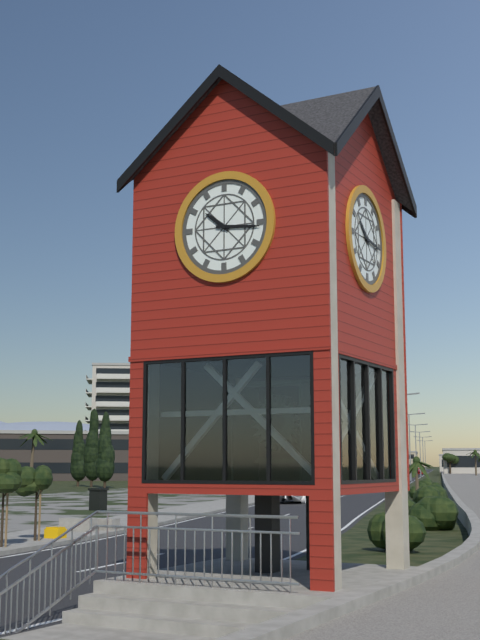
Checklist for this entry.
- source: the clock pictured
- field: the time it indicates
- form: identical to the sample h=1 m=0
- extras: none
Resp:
h=10 m=16
